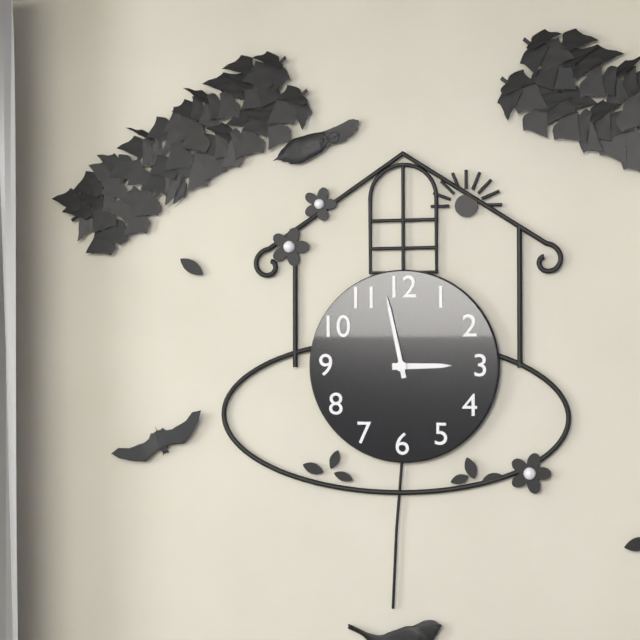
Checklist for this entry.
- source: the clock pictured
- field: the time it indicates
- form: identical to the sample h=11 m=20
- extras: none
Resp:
h=2 m=58
